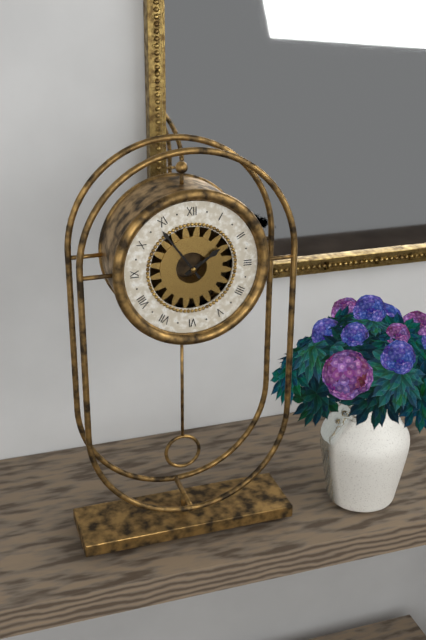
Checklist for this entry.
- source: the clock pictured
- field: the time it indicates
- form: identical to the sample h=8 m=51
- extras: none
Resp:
h=1 m=54
